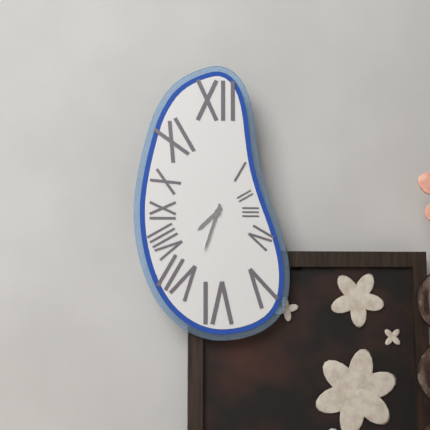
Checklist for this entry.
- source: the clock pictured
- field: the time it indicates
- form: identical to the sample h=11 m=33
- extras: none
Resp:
h=7 m=33
